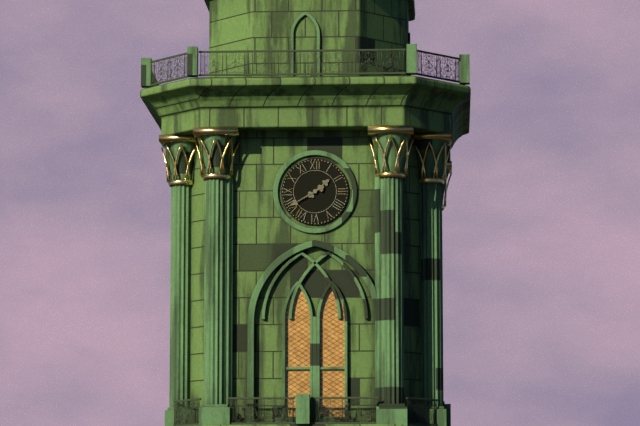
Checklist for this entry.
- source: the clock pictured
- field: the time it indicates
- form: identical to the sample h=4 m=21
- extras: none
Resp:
h=1 m=40
